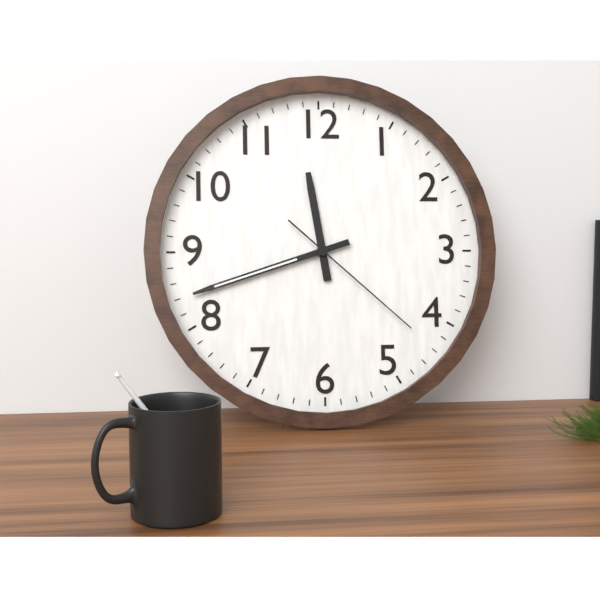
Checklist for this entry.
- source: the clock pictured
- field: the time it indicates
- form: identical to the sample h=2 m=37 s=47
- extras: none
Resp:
h=11 m=42 s=22
